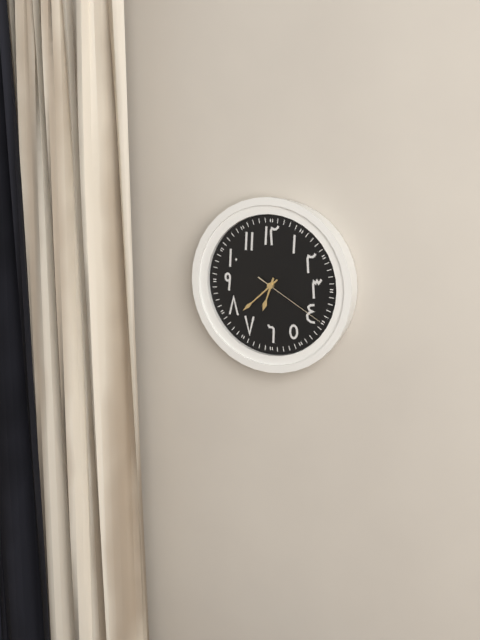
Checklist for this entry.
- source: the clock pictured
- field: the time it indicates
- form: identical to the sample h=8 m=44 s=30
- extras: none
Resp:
h=6 m=38 s=20
